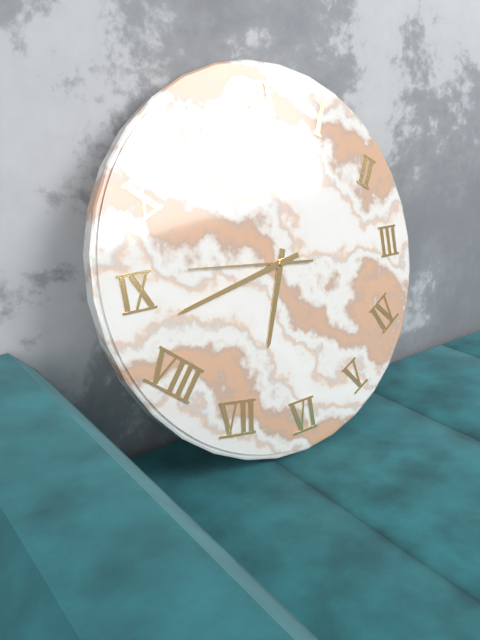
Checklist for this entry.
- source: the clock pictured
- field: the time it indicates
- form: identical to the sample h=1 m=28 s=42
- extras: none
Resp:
h=6 m=43 s=46
